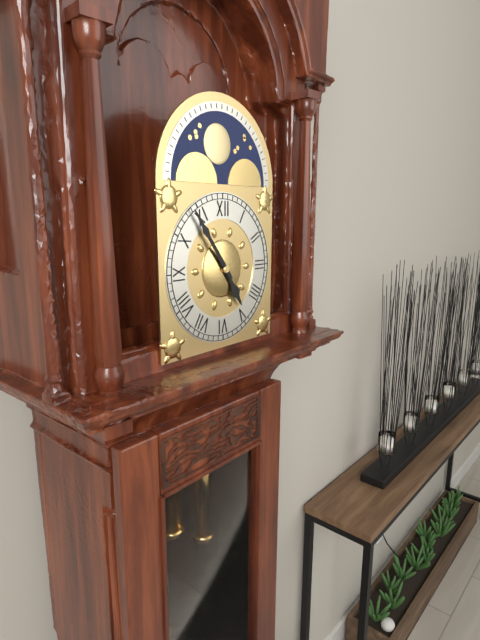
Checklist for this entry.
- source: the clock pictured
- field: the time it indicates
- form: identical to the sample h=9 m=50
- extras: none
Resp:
h=4 m=54
